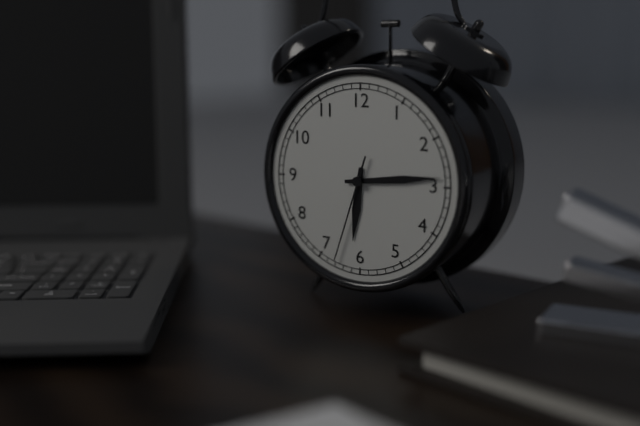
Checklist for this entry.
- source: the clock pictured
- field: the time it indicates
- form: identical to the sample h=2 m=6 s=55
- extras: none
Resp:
h=6 m=14 s=33
